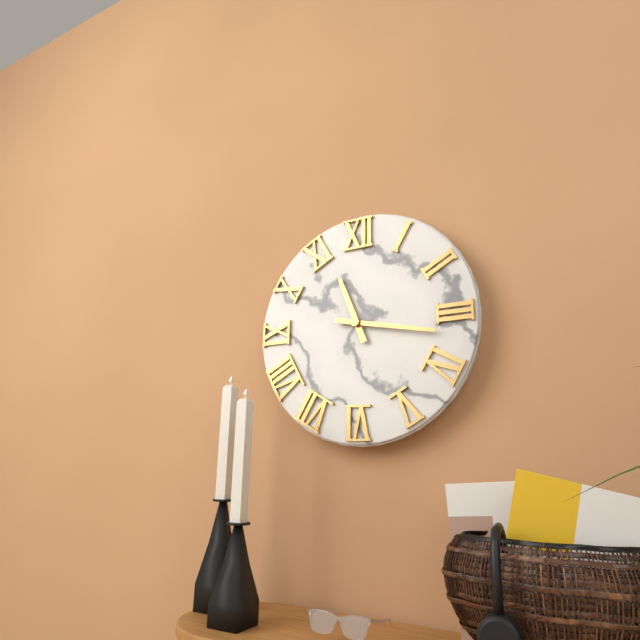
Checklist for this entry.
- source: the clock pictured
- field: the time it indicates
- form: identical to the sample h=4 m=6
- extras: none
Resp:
h=11 m=17
